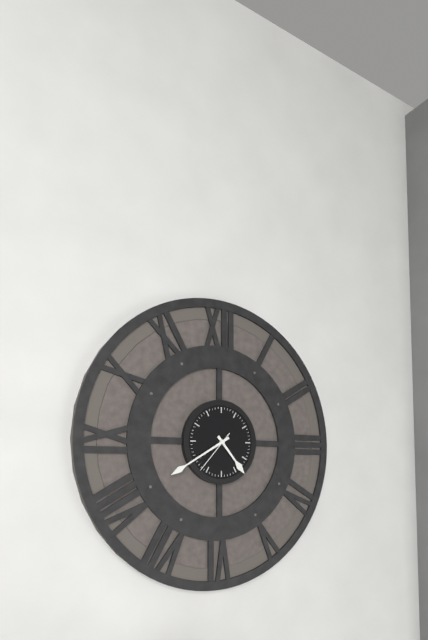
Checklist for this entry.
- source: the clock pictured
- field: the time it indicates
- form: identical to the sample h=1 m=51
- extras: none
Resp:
h=4 m=40
